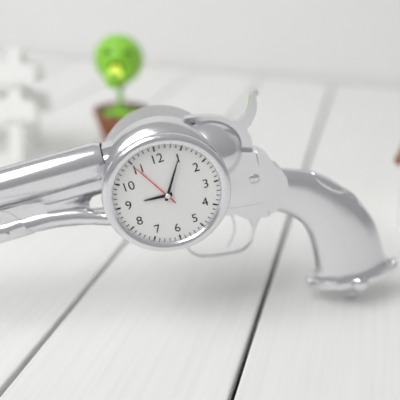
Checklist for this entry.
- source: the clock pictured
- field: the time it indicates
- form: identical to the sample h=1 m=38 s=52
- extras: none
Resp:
h=9 m=5 s=55
